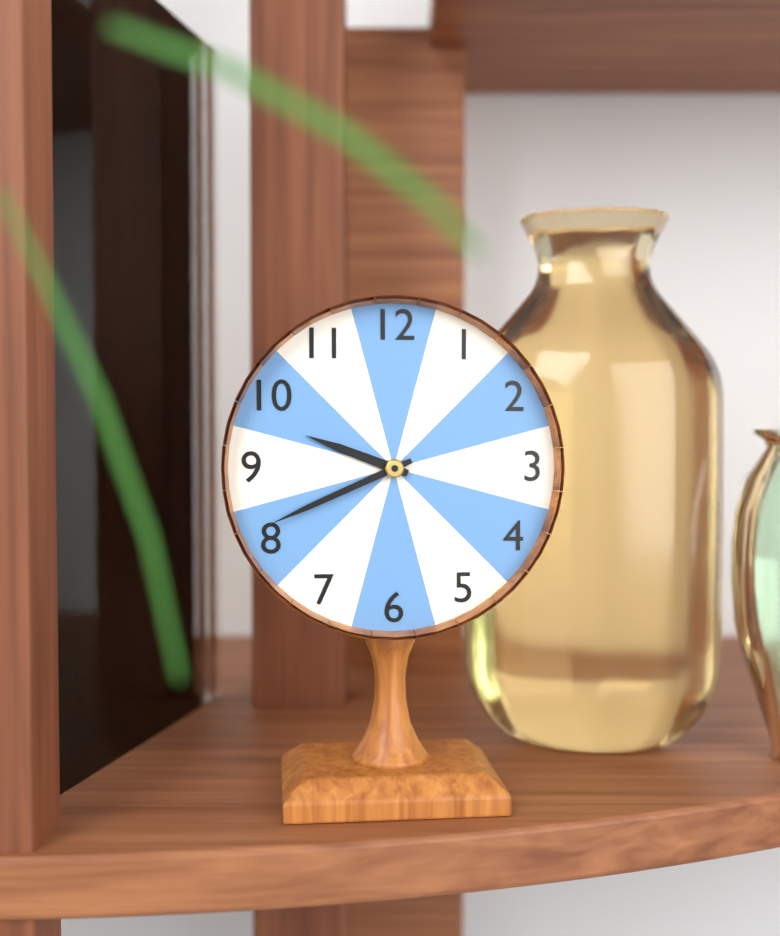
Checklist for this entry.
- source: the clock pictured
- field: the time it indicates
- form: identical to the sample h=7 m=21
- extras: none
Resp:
h=9 m=41
